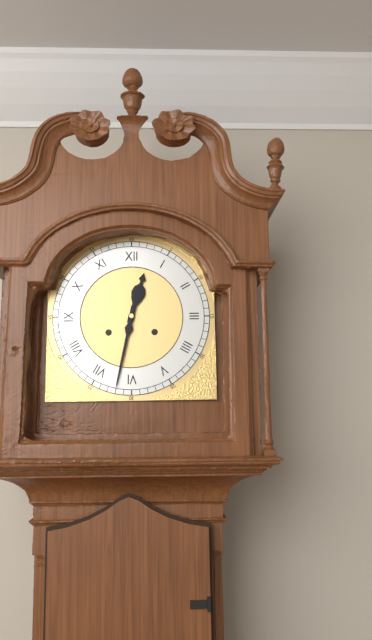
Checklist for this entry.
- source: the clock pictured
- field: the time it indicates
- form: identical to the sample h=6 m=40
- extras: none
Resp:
h=12 m=32
